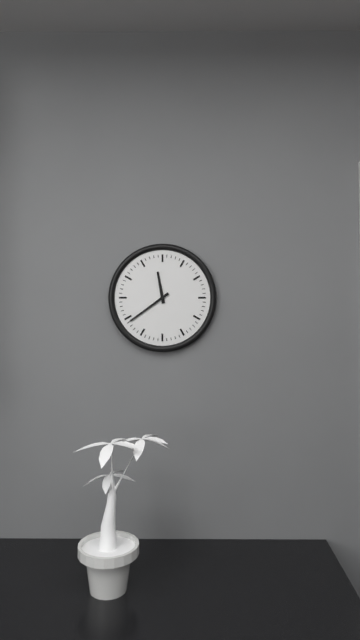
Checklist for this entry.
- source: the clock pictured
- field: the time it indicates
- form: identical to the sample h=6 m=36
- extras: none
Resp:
h=11 m=39
